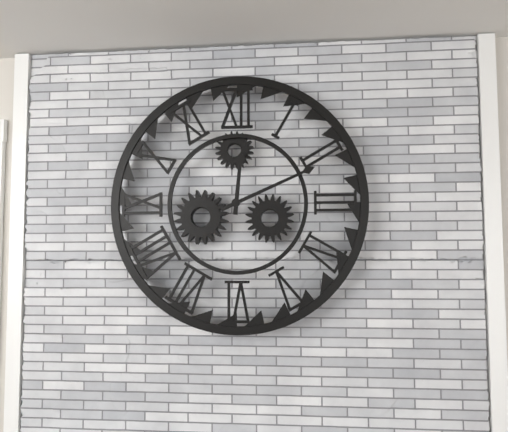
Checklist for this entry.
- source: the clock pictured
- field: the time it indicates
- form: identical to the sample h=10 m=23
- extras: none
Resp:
h=12 m=11
